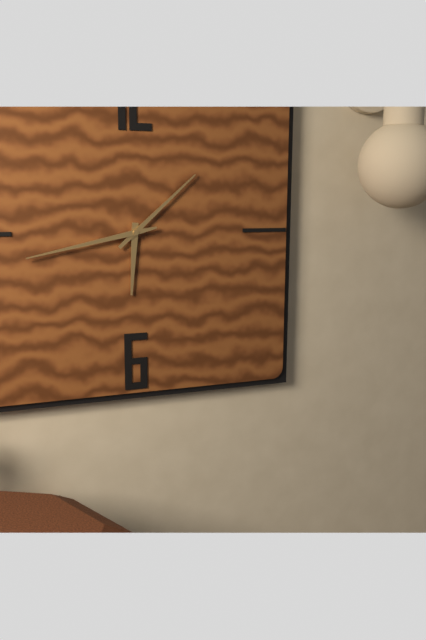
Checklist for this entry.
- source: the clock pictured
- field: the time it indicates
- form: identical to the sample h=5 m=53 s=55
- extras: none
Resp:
h=6 m=8 s=43
